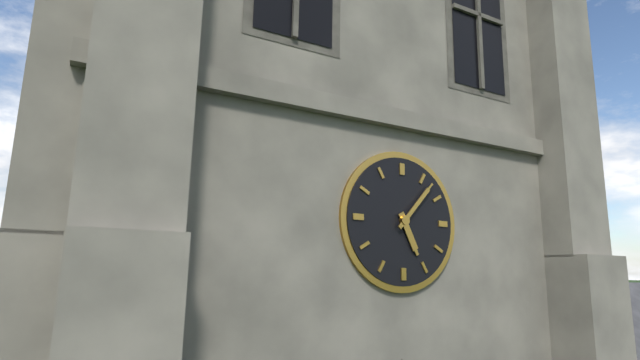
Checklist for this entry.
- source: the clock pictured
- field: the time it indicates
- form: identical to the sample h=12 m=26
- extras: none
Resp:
h=5 m=7
